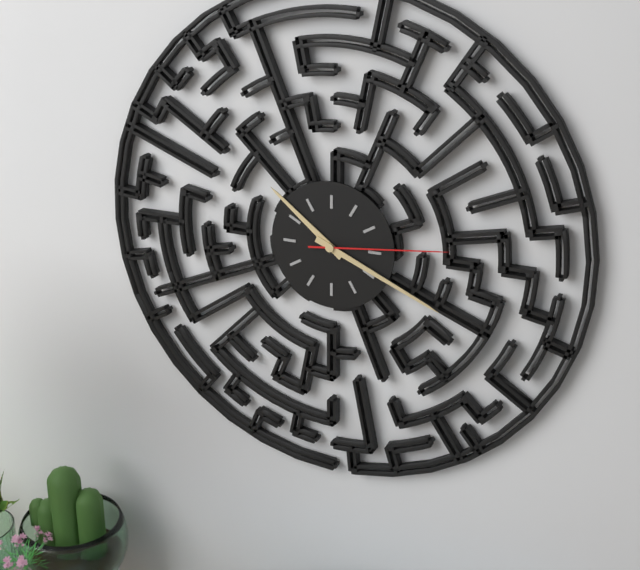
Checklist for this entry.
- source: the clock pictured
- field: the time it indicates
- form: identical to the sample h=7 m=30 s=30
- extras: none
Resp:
h=10 m=19 s=14
